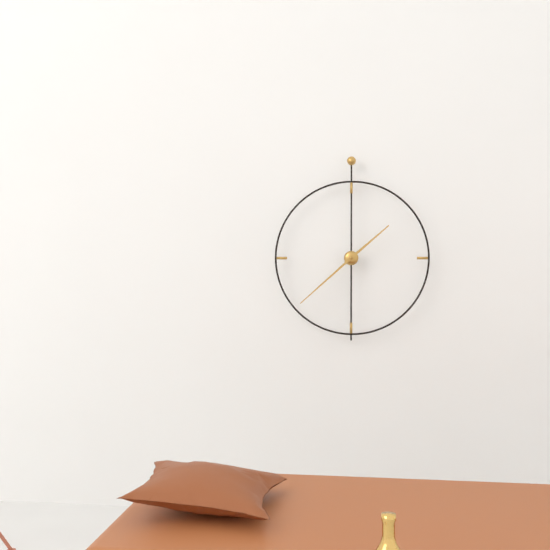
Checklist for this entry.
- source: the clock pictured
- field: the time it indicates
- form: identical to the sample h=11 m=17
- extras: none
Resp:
h=1 m=38
